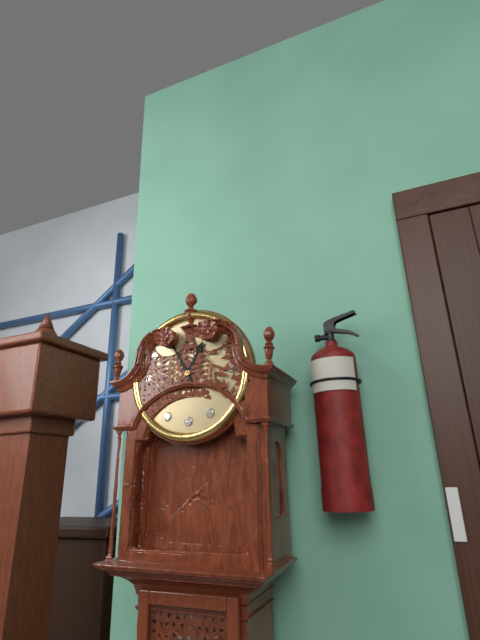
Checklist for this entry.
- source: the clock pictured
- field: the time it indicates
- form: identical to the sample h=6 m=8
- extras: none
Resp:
h=12 m=55
